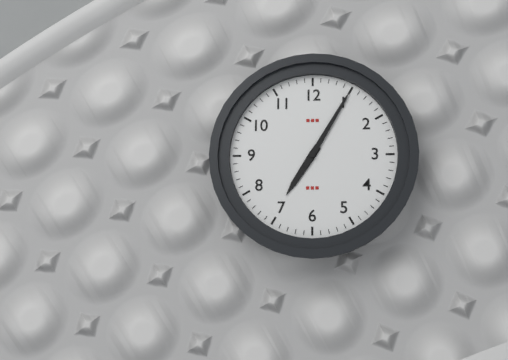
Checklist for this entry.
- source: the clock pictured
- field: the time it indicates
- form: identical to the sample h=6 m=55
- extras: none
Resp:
h=7 m=5
